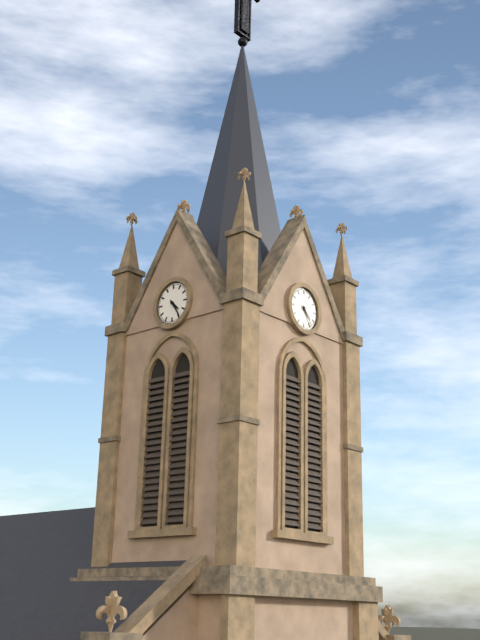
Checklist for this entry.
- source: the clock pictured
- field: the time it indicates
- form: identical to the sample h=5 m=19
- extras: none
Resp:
h=4 m=24
